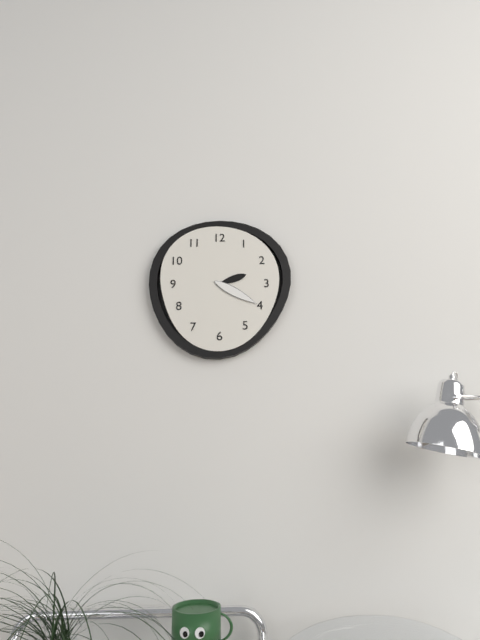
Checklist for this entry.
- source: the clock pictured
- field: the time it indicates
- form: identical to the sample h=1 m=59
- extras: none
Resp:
h=2 m=20
